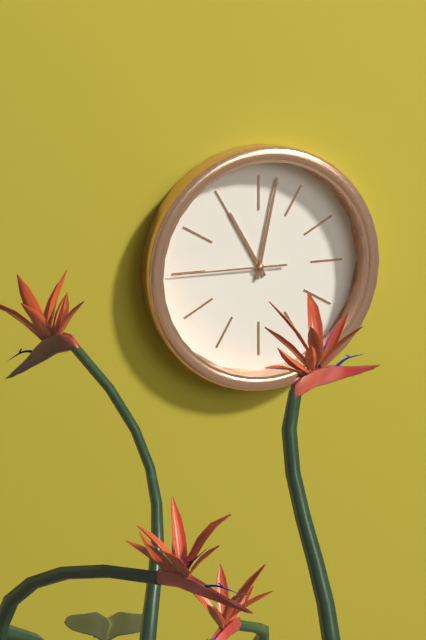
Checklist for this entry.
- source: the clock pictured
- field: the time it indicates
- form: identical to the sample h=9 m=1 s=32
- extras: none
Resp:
h=11 m=2 s=45
